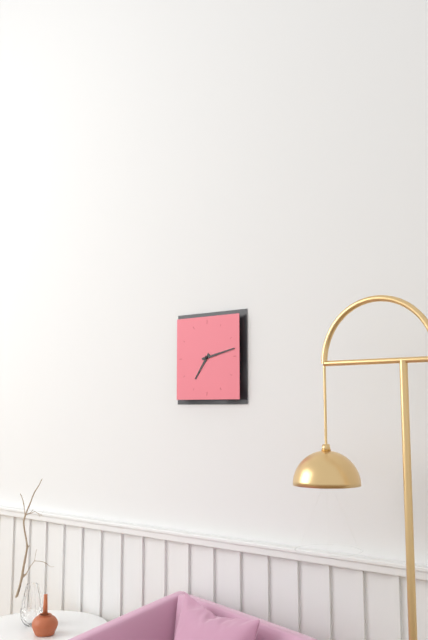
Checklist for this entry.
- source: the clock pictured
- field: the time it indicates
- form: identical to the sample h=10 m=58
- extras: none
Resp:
h=7 m=13
